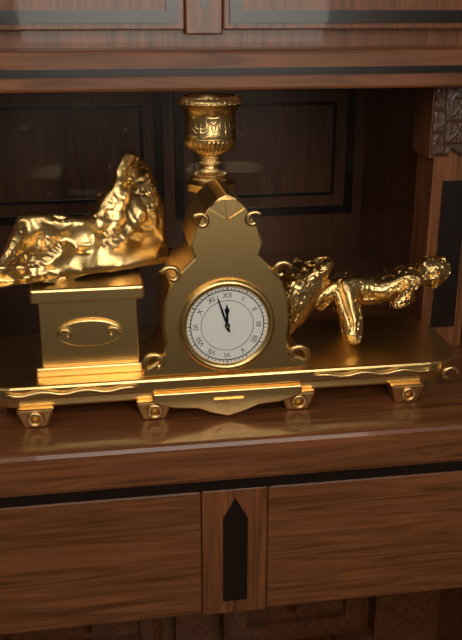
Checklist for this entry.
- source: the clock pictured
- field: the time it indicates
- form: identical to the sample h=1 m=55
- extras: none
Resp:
h=11 m=57
